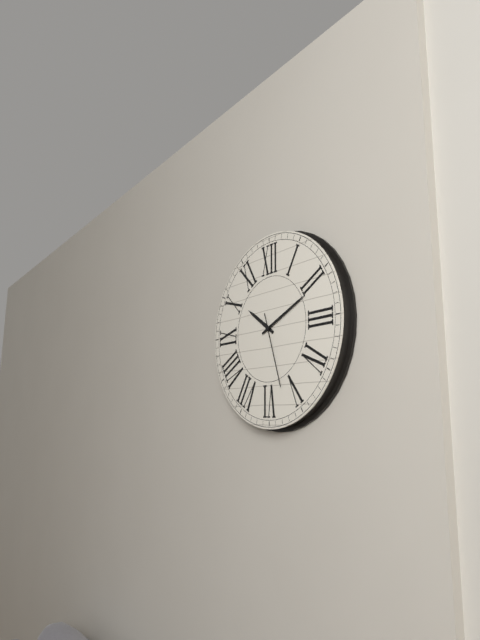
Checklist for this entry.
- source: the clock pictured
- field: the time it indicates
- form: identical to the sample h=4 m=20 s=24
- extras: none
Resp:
h=10 m=11 s=27
